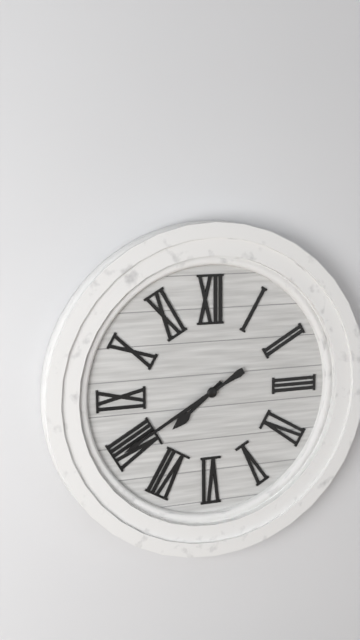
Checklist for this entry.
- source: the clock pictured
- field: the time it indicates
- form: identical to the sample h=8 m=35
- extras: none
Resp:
h=7 m=40
